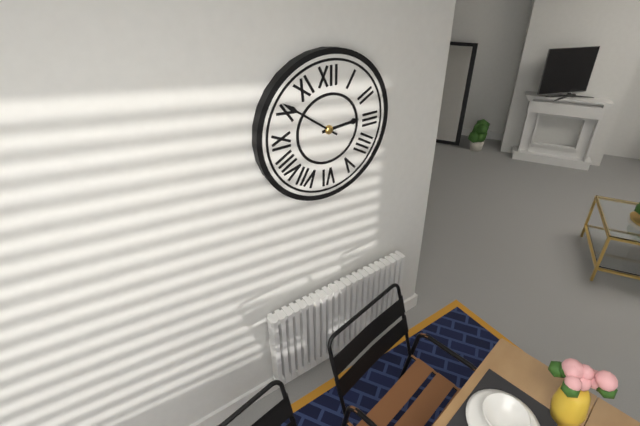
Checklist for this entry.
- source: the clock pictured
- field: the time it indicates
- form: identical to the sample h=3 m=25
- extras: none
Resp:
h=2 m=51
